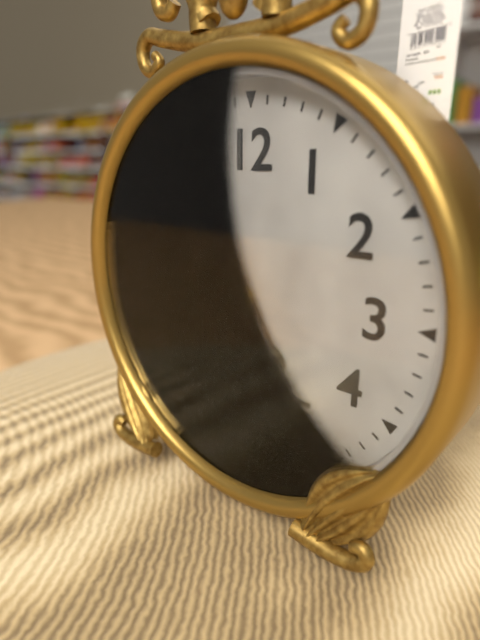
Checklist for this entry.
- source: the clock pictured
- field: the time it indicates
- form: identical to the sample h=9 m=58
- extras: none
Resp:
h=4 m=55
